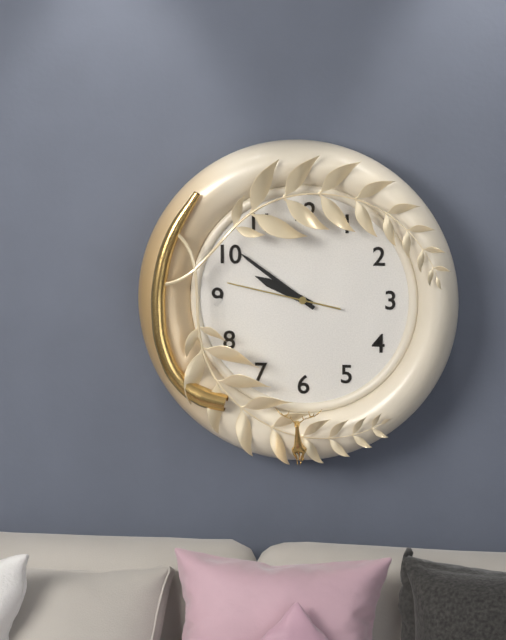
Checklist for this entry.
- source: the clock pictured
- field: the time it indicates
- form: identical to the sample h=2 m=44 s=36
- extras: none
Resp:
h=9 m=51 s=47
